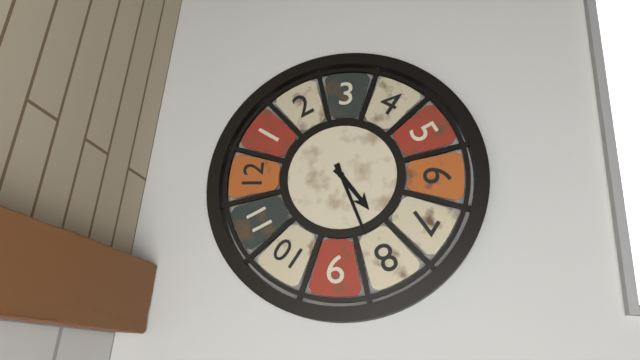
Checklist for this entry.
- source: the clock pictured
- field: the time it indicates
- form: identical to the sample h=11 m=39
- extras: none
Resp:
h=7 m=41
